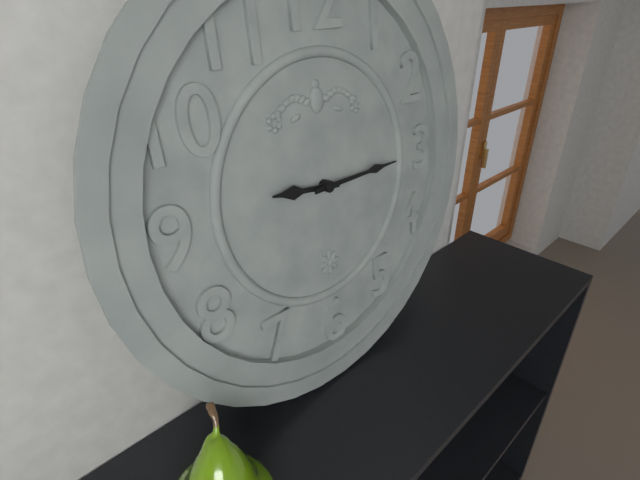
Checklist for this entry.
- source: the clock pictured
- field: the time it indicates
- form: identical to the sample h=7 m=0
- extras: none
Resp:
h=9 m=15
